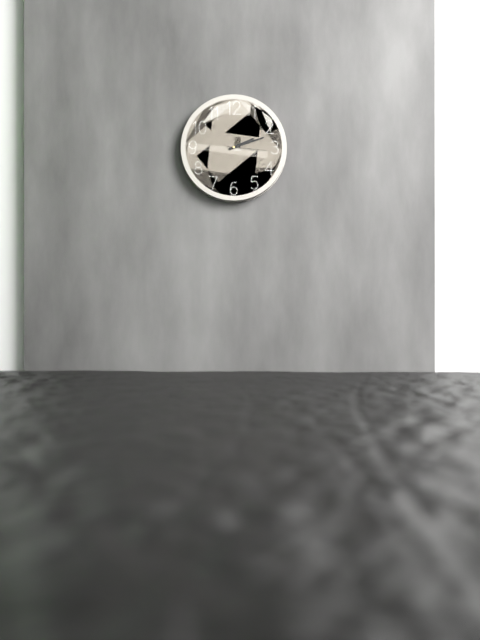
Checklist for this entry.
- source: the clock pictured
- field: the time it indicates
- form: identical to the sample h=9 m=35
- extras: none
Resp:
h=2 m=12
